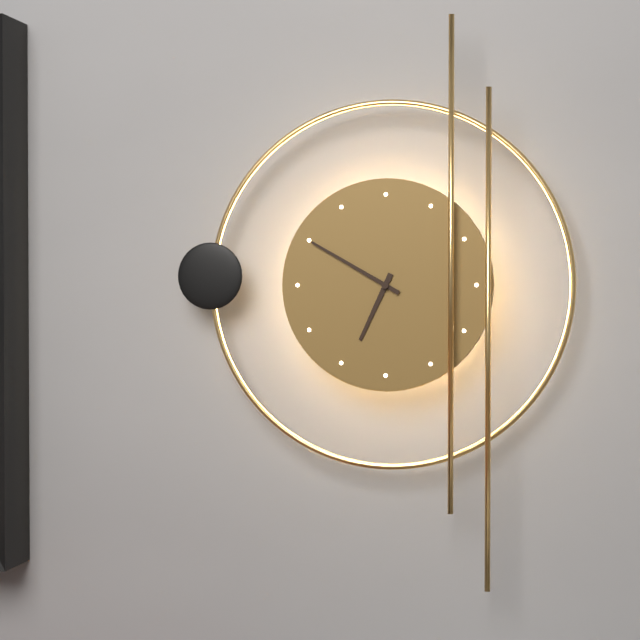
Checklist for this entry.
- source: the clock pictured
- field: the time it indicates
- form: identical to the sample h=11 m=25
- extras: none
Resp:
h=6 m=50
